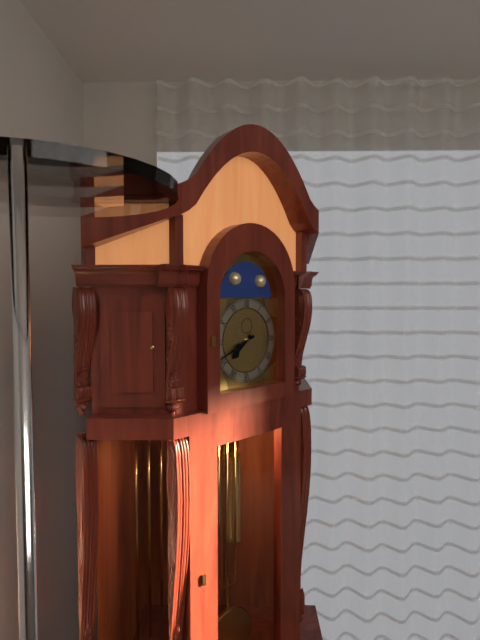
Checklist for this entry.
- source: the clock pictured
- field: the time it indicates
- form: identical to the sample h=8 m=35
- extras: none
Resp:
h=7 m=41
